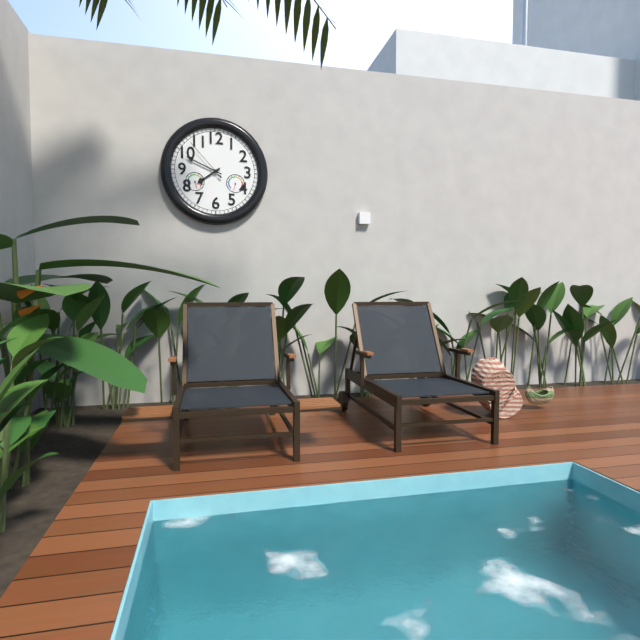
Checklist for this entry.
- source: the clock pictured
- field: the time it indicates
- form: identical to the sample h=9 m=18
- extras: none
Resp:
h=7 m=49
